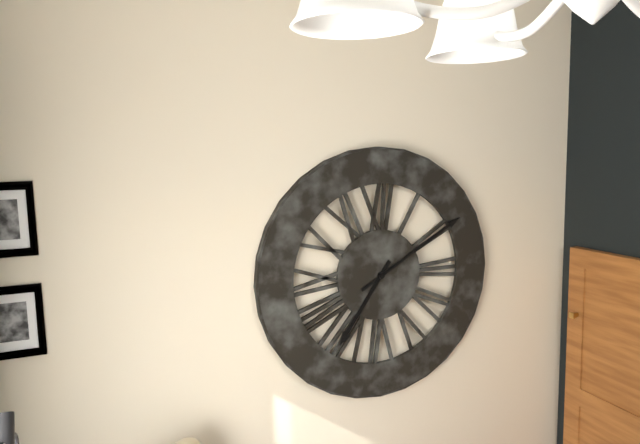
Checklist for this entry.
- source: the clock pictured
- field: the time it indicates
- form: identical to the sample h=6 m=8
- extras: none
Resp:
h=7 m=10
